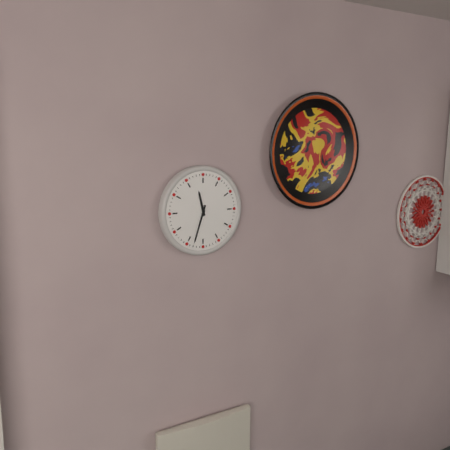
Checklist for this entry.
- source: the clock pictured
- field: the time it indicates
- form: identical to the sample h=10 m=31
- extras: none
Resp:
h=11 m=33
